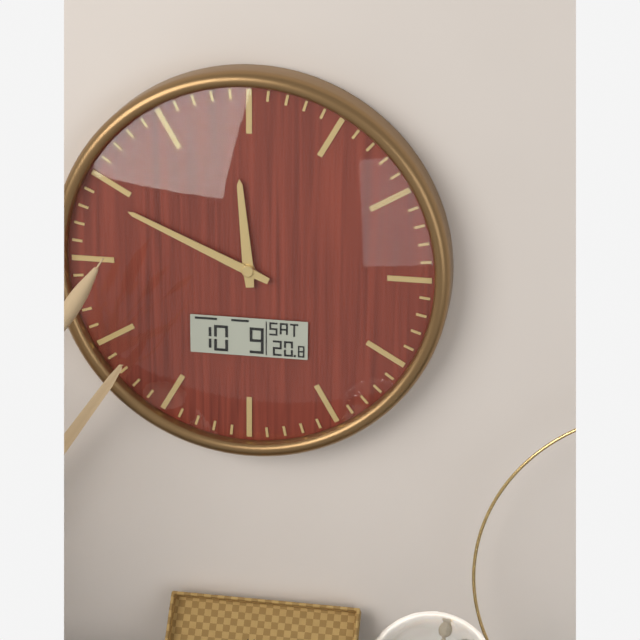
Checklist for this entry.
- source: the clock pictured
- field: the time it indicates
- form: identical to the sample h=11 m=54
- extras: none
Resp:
h=11 m=49
